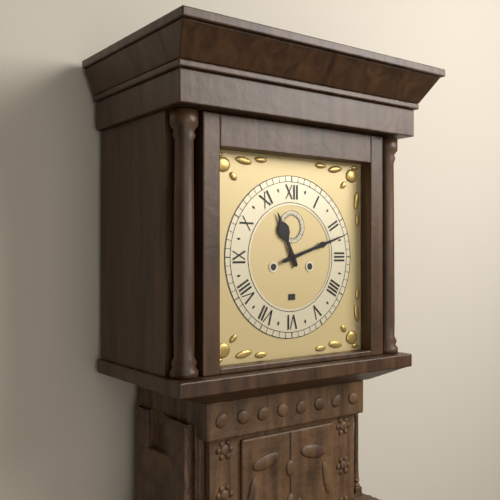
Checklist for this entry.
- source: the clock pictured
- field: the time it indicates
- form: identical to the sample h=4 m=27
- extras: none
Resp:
h=11 m=12
